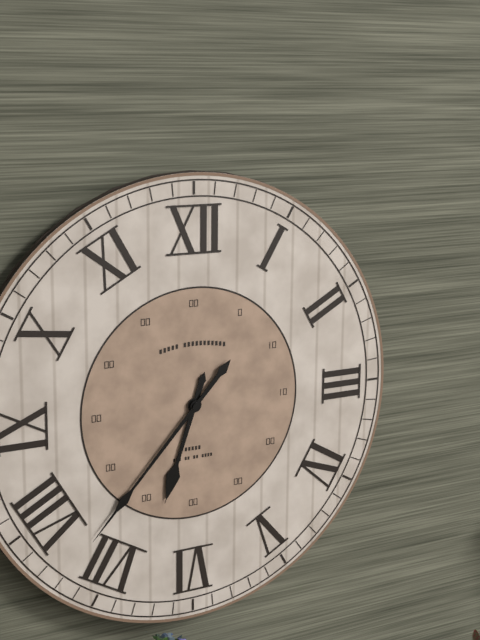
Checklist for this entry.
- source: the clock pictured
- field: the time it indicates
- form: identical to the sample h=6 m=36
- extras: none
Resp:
h=6 m=37
